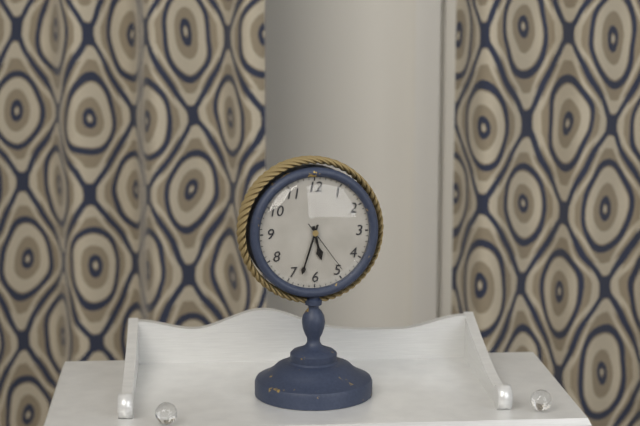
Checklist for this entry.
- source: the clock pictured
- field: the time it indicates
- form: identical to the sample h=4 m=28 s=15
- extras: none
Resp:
h=5 m=33 s=24
